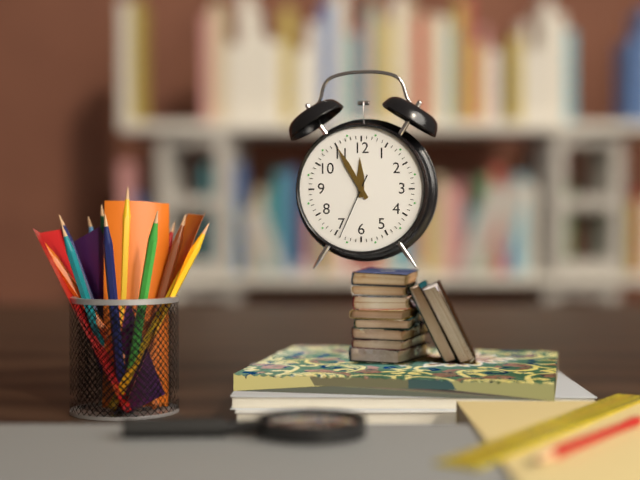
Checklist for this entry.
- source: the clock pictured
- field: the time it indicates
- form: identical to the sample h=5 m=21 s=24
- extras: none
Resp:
h=11 m=55 s=34
